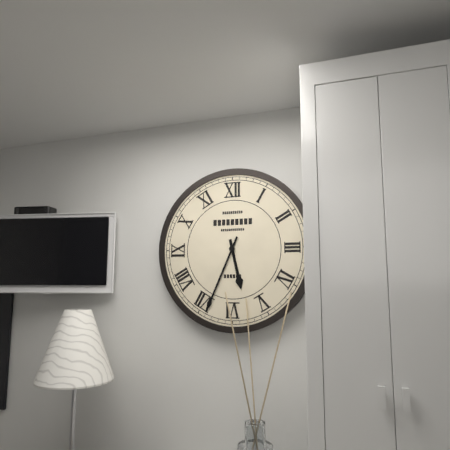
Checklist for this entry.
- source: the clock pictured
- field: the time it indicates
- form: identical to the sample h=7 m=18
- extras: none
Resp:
h=5 m=34
